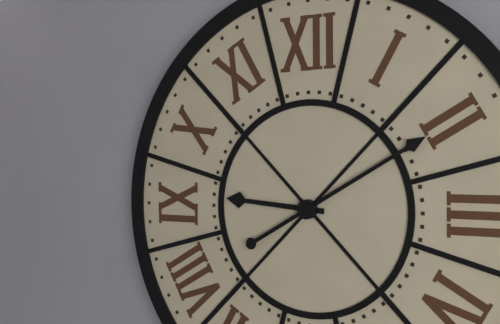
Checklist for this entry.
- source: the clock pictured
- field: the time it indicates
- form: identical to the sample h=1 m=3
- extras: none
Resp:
h=9 m=10
